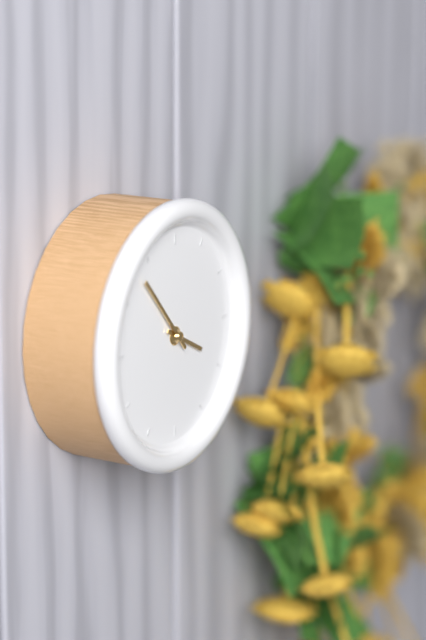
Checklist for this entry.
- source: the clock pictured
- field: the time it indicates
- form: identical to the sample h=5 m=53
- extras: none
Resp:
h=3 m=53
